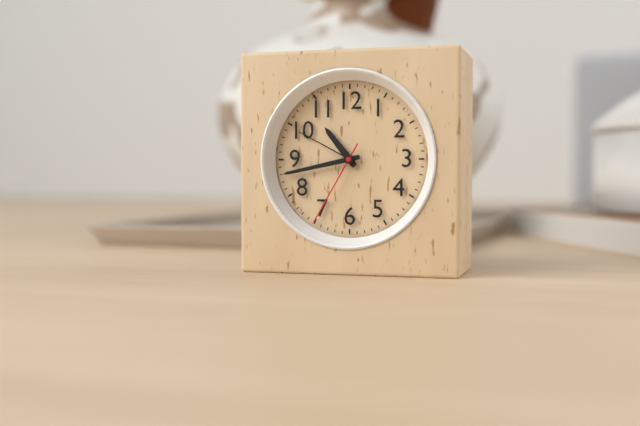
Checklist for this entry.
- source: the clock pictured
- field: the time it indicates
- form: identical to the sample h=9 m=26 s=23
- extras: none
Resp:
h=10 m=43 s=35
